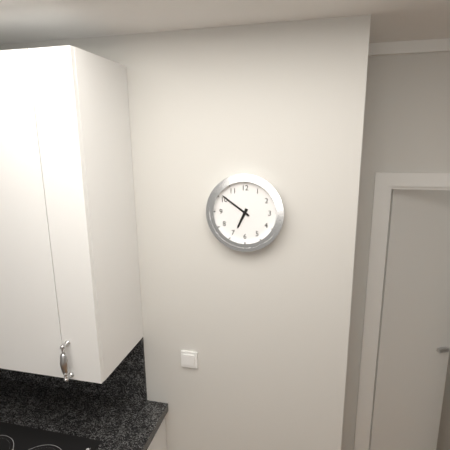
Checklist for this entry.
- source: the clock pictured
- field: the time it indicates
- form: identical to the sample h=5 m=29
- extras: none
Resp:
h=6 m=51
